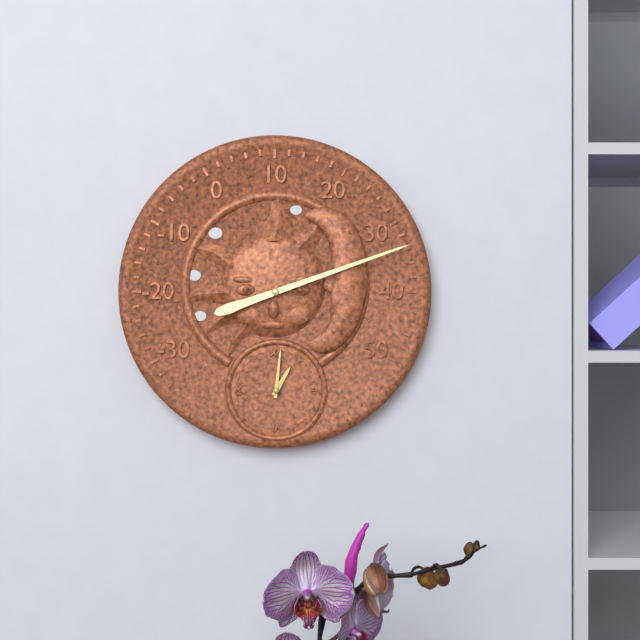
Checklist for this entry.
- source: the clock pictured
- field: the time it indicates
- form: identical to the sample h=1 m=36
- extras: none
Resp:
h=1 m=1
